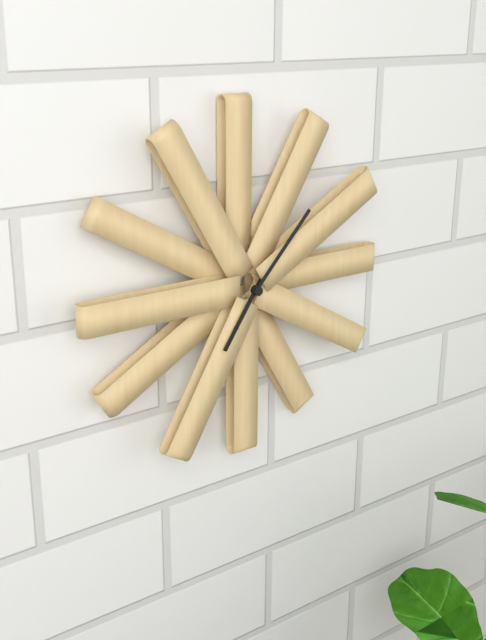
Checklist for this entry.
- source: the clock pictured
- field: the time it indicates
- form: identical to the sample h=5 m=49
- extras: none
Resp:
h=7 m=7
